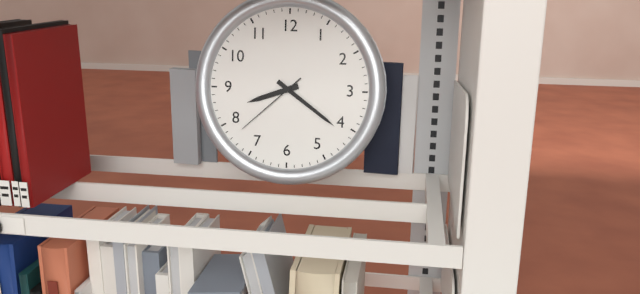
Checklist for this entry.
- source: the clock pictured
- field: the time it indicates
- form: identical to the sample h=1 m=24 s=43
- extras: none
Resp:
h=8 m=21 s=38
